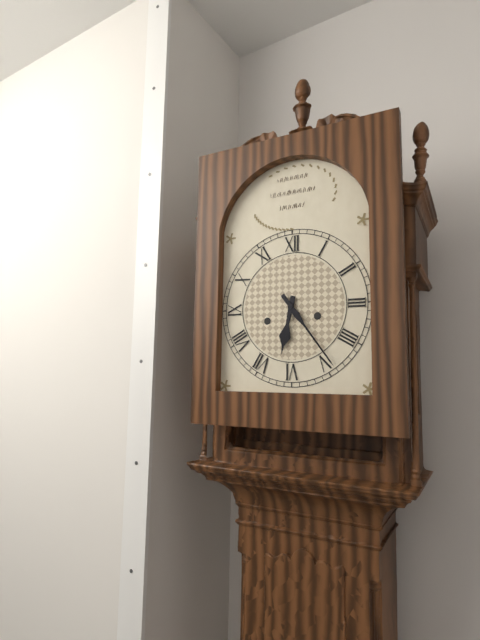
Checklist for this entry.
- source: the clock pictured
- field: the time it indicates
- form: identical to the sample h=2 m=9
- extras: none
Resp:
h=6 m=24
